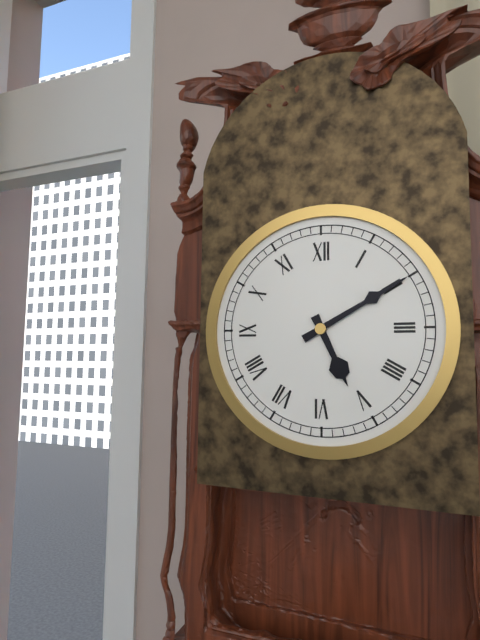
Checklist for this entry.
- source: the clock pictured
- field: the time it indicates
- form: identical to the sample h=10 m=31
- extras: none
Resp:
h=5 m=10
